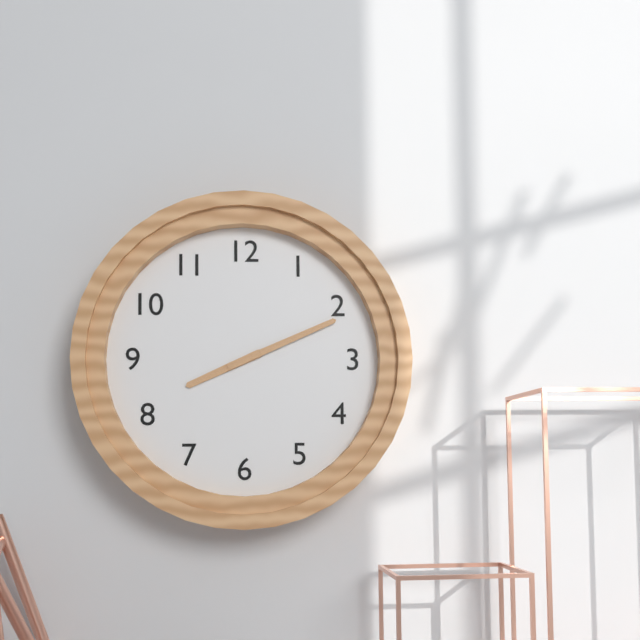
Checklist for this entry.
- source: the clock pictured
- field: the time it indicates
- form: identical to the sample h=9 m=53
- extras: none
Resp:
h=8 m=11
